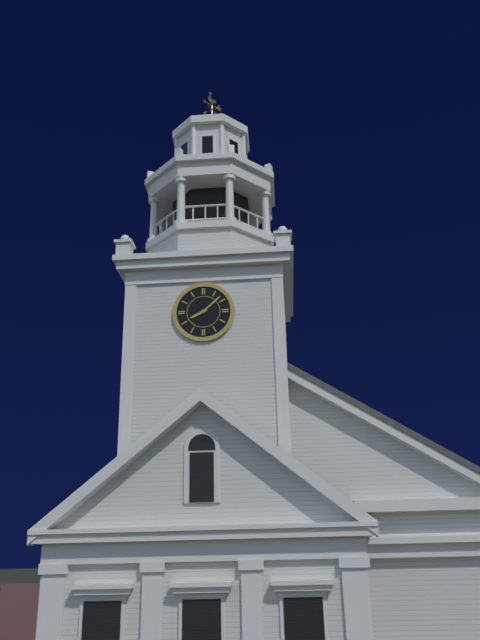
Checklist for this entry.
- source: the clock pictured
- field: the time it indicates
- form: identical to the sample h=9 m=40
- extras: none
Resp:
h=8 m=8
